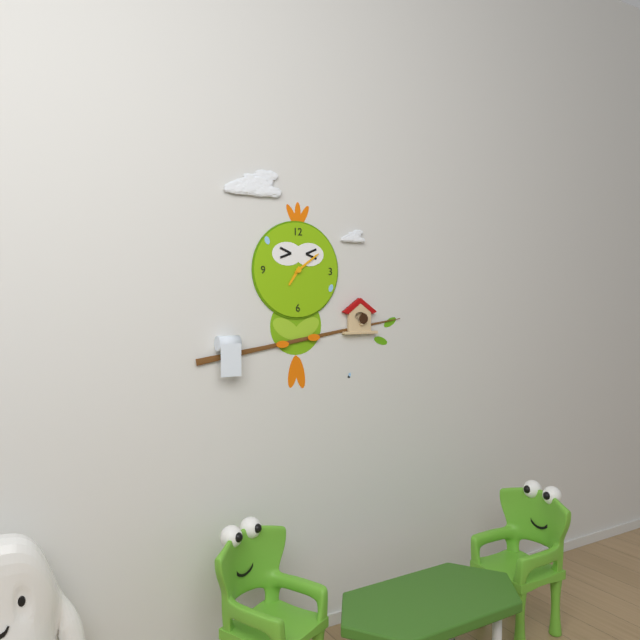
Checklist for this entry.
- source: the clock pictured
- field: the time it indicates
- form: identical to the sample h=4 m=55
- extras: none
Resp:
h=7 m=9
